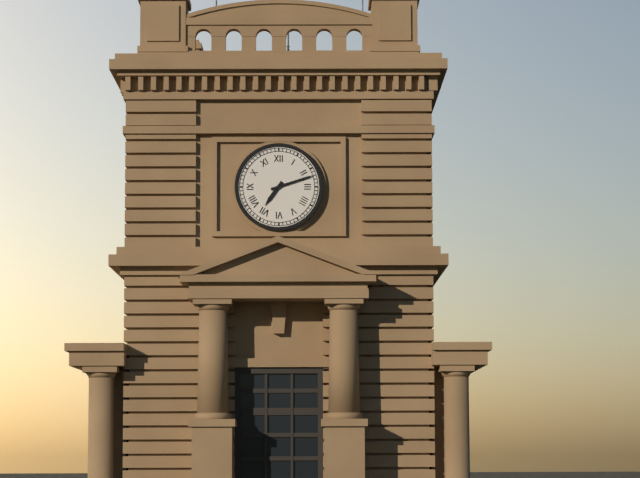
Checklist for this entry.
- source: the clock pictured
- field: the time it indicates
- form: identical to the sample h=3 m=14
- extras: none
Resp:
h=7 m=12
